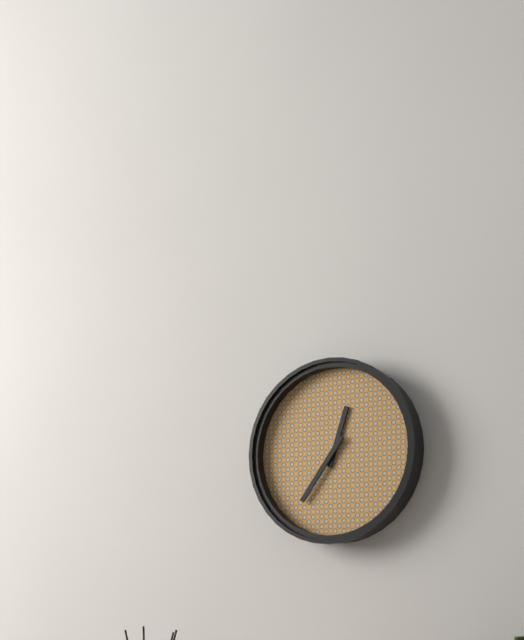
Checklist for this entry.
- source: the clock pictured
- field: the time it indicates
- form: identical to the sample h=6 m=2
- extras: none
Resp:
h=12 m=36
